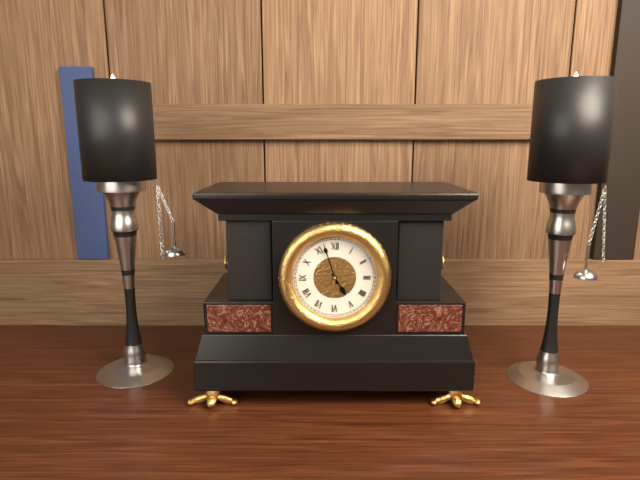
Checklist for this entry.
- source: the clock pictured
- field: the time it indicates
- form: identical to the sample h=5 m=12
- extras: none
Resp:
h=4 m=57
